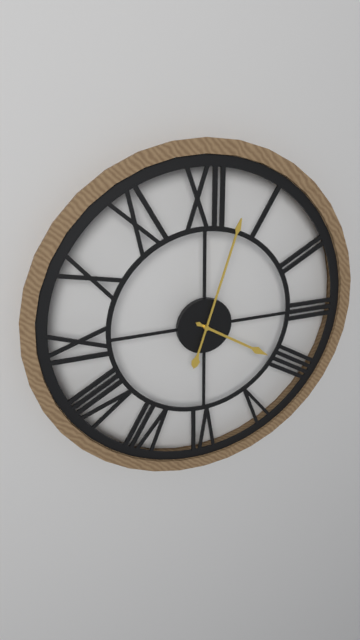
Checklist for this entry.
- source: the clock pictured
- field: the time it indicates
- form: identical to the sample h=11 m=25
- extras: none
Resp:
h=4 m=3
